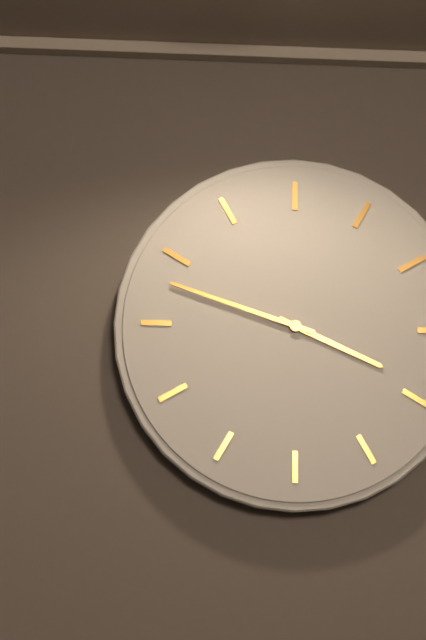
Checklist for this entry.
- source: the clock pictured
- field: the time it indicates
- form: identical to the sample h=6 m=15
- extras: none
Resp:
h=3 m=48
